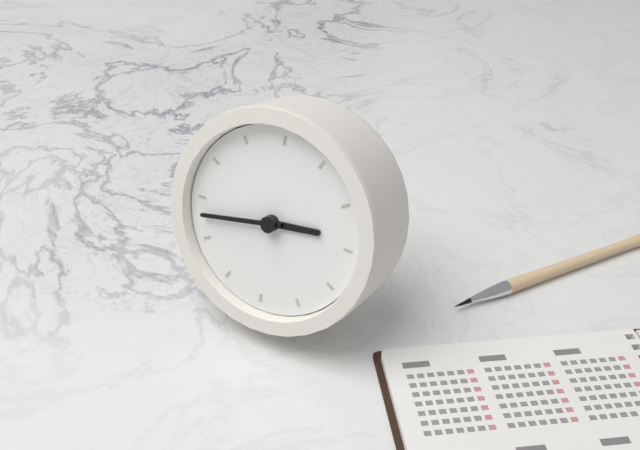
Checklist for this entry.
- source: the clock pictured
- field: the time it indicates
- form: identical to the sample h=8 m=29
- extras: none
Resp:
h=2 m=43
